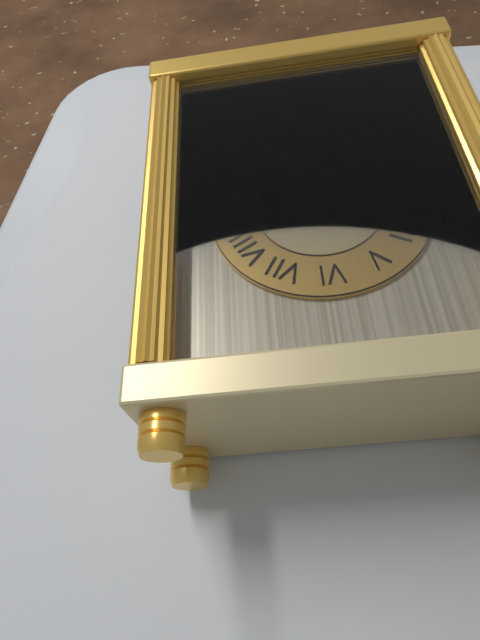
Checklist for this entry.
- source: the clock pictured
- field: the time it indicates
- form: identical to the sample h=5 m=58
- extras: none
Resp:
h=8 m=48
